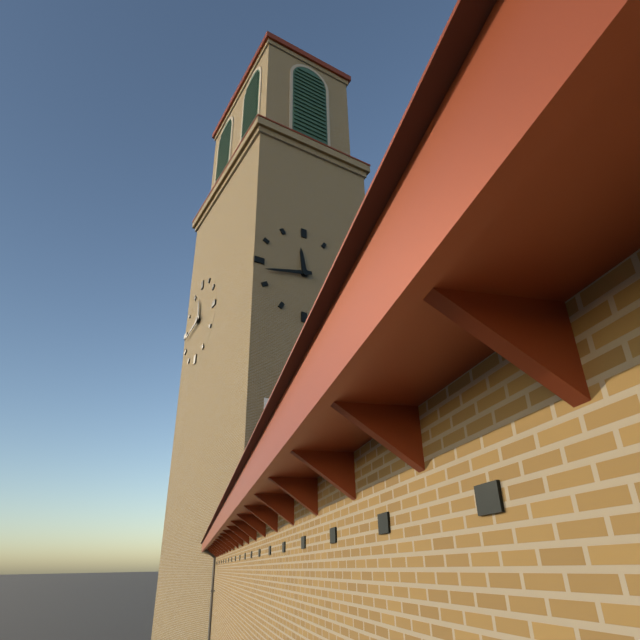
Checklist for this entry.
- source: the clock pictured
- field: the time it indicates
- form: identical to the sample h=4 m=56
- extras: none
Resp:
h=11 m=43
